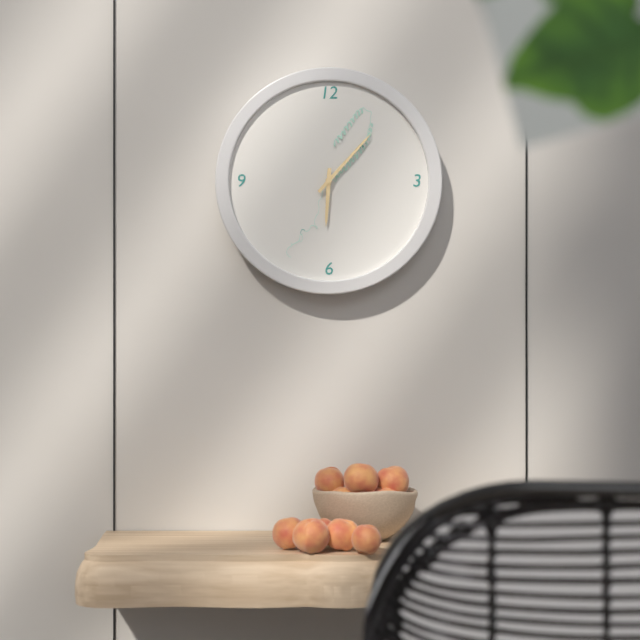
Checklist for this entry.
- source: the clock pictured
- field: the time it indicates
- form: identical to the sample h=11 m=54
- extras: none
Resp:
h=6 m=7
